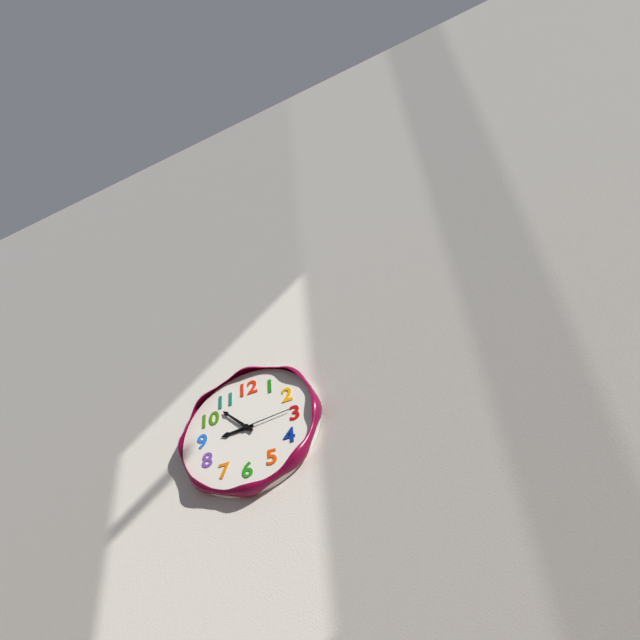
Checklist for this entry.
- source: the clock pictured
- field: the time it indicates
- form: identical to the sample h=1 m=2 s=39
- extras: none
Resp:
h=8 m=53 s=14
